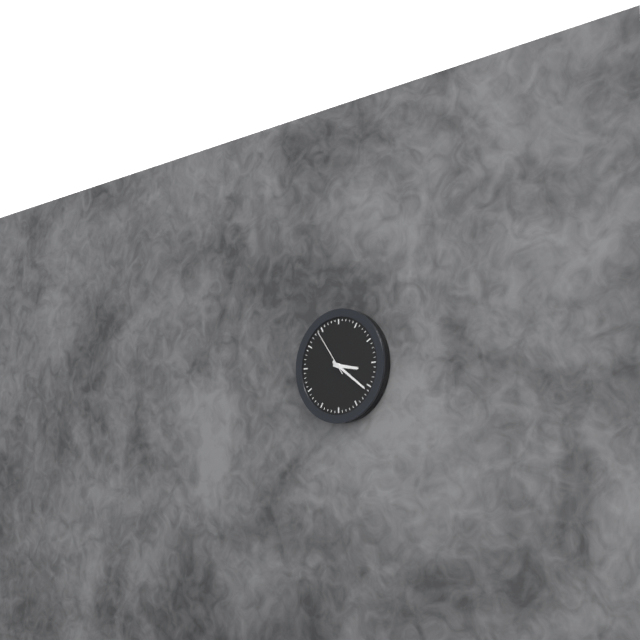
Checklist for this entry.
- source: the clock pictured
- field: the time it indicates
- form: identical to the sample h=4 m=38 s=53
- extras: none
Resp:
h=3 m=21 s=54
